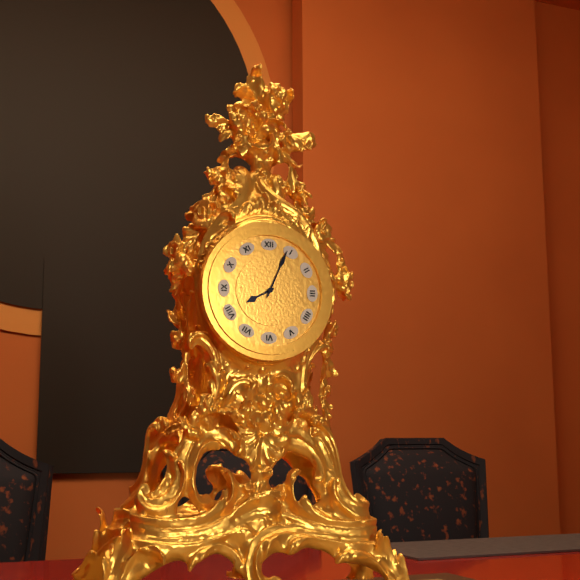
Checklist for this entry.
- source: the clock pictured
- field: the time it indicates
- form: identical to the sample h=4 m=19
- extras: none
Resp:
h=8 m=4
